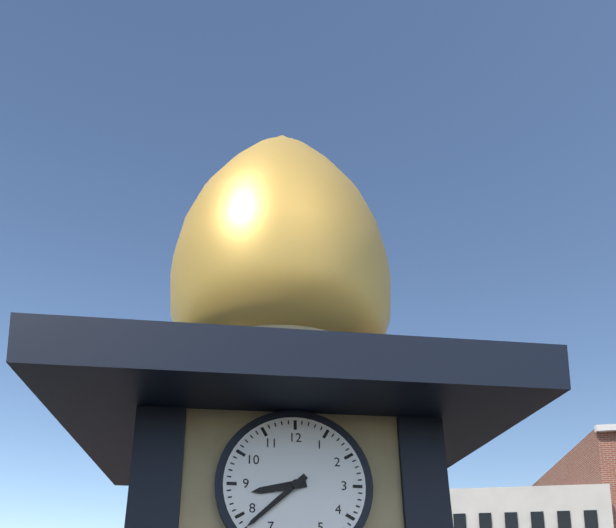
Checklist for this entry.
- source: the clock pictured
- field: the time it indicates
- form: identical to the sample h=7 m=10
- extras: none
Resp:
h=8 m=38
